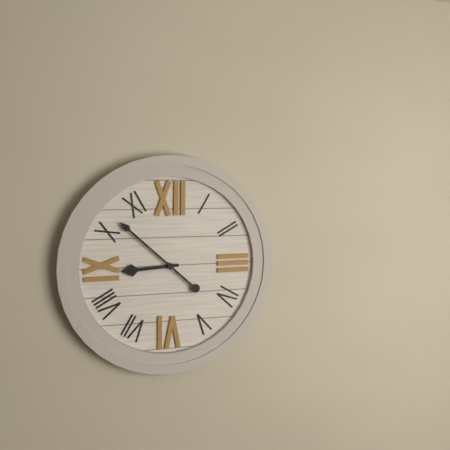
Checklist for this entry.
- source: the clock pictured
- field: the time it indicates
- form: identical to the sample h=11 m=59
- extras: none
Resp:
h=8 m=52
